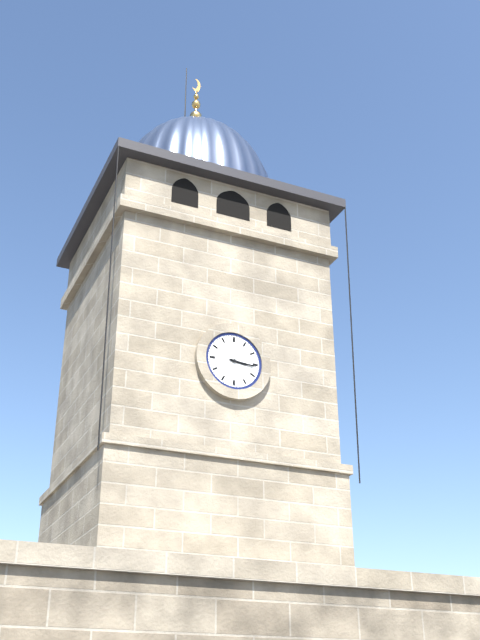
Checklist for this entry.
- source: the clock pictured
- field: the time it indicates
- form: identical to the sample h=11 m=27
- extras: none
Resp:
h=3 m=16
